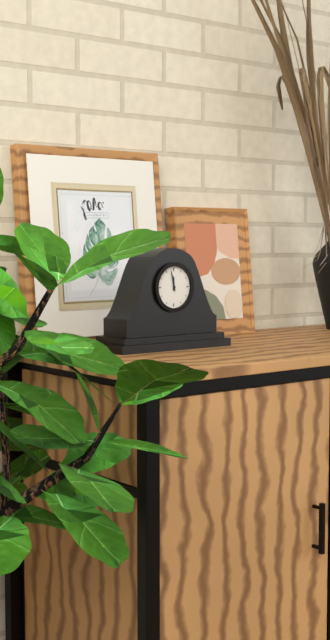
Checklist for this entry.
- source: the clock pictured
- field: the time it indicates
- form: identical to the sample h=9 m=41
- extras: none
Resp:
h=11 m=58
